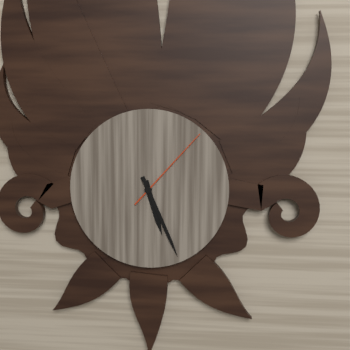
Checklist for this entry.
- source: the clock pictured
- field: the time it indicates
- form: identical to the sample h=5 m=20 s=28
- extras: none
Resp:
h=5 m=26 s=7
